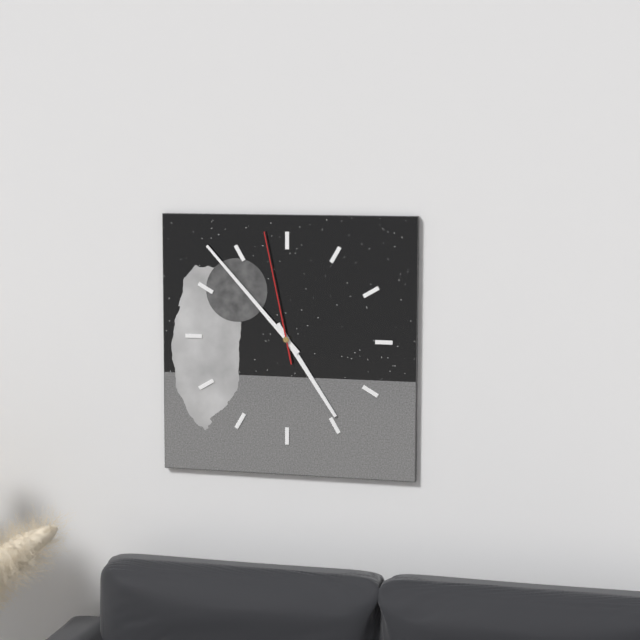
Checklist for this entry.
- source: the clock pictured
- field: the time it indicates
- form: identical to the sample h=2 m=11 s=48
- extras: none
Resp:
h=4 m=53 s=58
